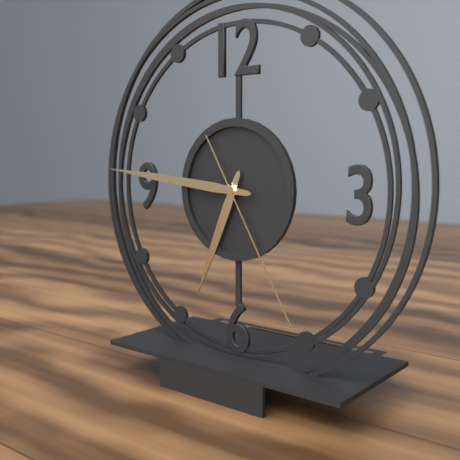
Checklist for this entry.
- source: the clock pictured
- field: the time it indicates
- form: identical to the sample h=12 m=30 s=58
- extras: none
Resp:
h=6 m=46 s=25
